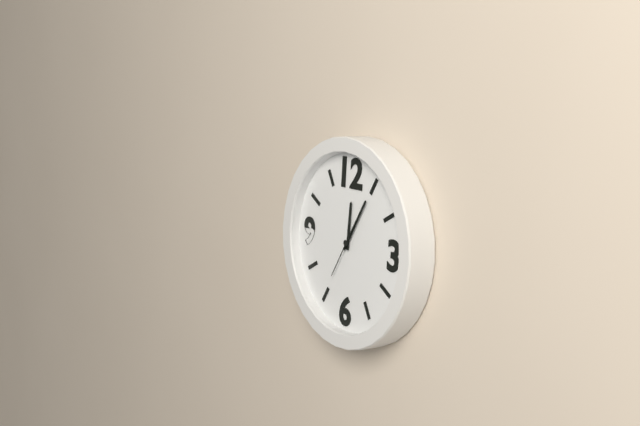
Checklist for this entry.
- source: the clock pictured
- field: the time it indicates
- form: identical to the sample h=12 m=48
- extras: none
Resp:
h=12 m=5
